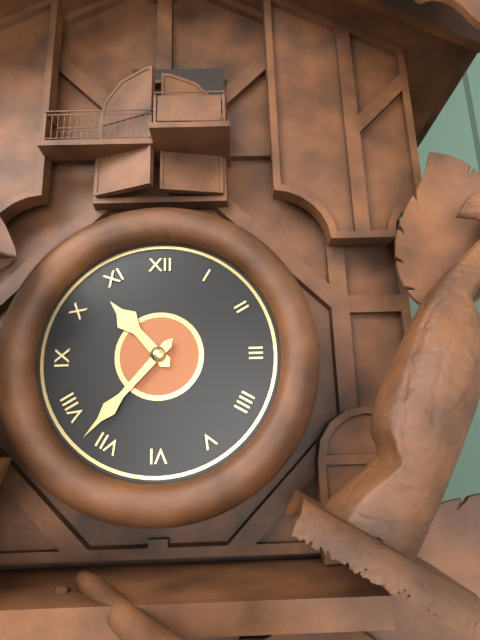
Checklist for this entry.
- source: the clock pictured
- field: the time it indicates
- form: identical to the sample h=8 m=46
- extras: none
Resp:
h=10 m=37
